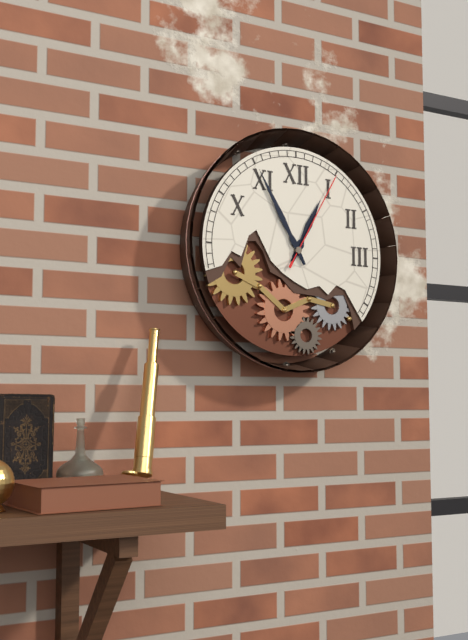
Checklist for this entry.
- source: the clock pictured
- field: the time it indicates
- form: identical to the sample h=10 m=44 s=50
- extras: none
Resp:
h=12 m=55 s=5
